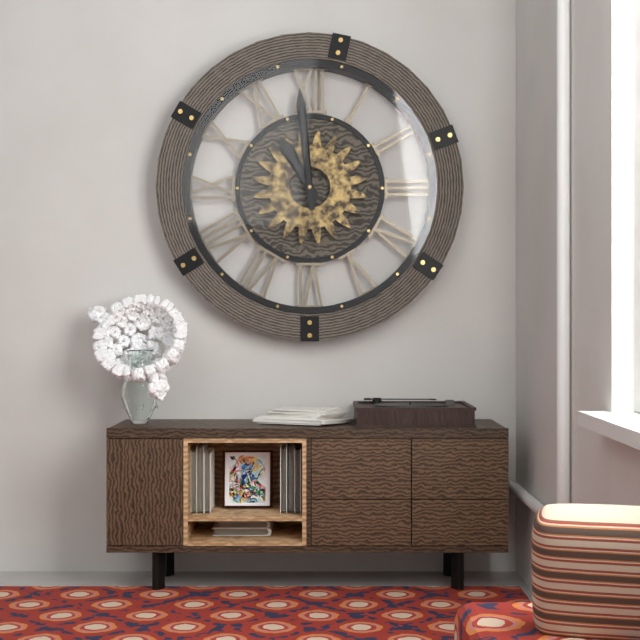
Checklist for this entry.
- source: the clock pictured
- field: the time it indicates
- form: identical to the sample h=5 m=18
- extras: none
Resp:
h=10 m=59
